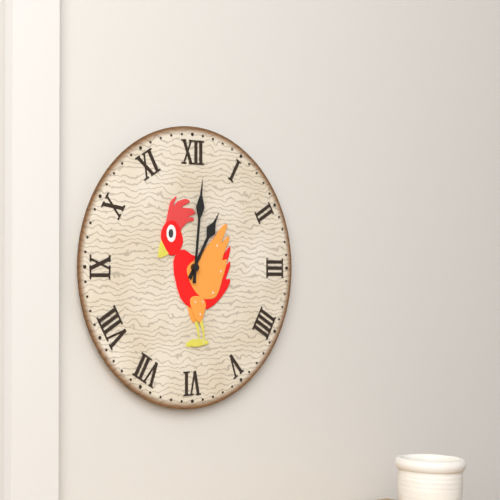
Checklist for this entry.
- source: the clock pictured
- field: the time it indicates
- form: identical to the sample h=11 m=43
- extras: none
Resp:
h=1 m=1
